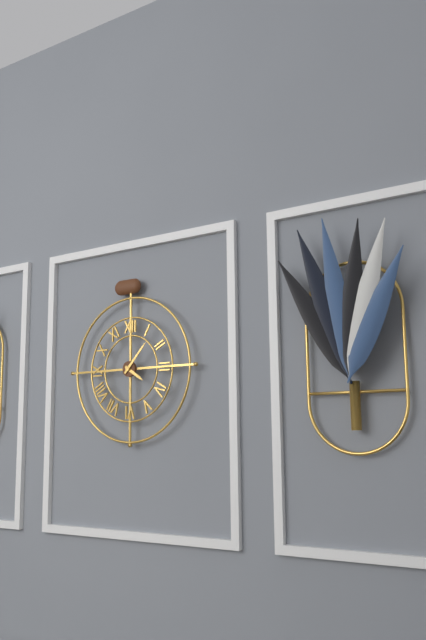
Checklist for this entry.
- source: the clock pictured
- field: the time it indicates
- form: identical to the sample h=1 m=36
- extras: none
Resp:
h=4 m=7
